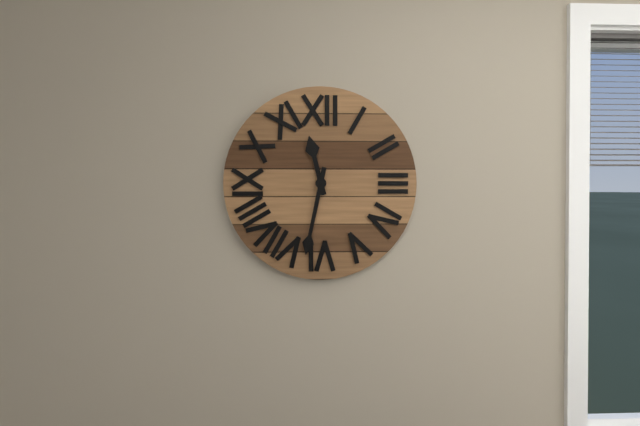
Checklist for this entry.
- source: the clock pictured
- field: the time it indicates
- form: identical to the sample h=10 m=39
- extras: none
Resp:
h=11 m=32
